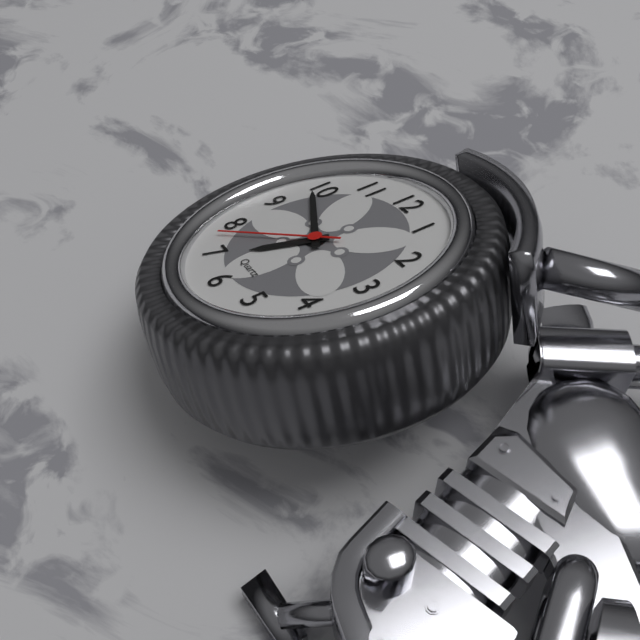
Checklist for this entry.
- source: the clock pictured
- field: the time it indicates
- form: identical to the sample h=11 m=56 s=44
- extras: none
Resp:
h=6 m=49 s=38
